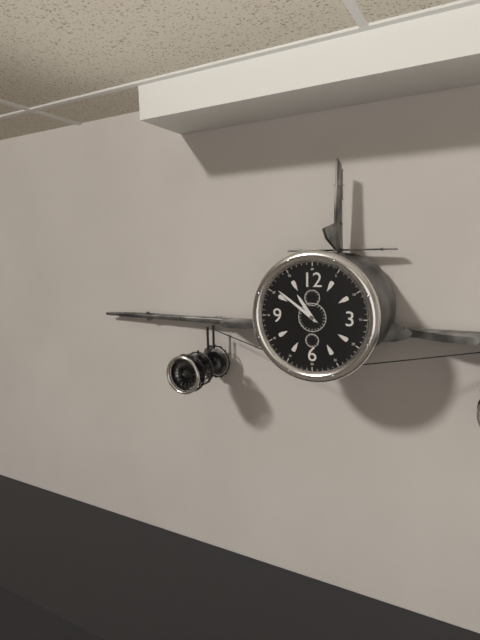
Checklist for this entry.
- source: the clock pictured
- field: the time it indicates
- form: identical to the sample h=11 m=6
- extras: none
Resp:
h=10 m=51
